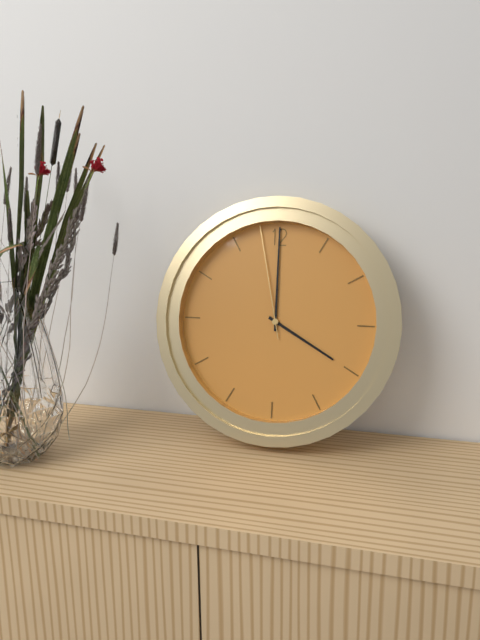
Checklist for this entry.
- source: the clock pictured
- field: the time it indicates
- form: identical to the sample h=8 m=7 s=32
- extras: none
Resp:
h=4 m=0 s=58
